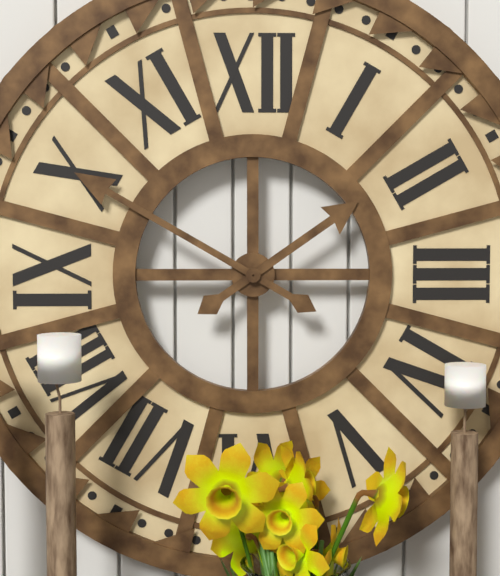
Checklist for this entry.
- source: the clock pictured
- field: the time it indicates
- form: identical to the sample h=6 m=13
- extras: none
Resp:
h=1 m=50
